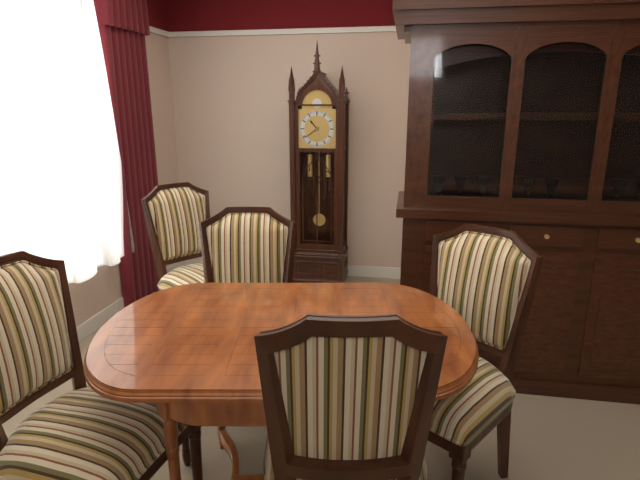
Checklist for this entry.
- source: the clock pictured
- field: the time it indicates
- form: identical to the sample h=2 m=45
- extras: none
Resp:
h=10 m=39
